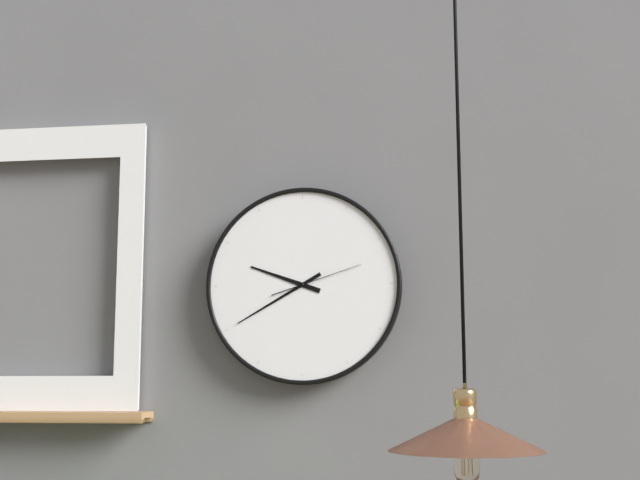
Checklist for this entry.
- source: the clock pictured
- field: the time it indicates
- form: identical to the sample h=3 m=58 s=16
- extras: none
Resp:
h=9 m=40 s=12
